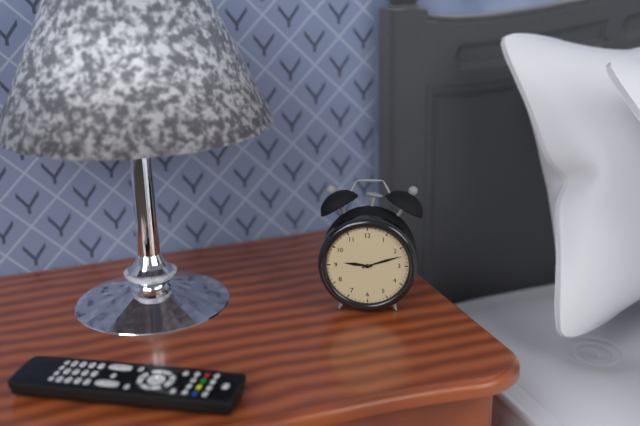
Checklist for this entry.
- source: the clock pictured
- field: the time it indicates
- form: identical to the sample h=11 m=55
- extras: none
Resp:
h=9 m=12
